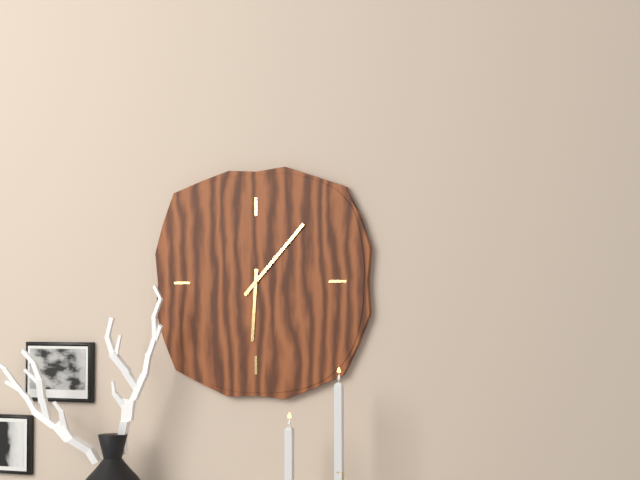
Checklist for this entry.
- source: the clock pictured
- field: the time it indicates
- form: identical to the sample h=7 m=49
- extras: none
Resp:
h=6 m=7
